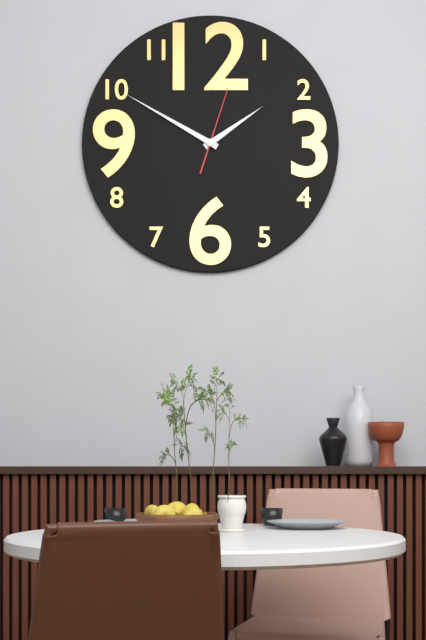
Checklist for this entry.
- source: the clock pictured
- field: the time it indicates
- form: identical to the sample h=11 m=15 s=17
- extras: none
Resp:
h=1 m=50 s=3
